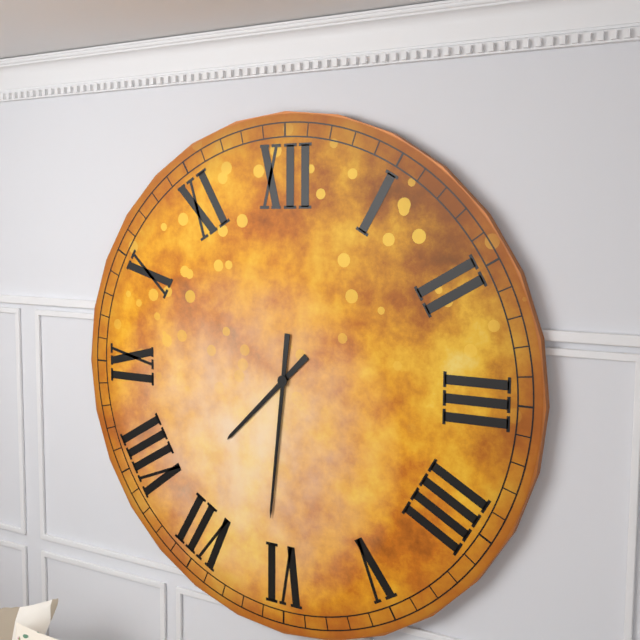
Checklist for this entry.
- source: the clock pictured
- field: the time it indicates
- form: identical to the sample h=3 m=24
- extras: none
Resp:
h=7 m=31
